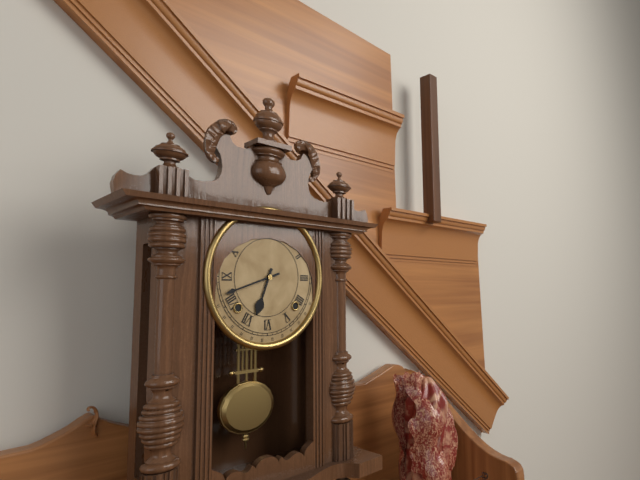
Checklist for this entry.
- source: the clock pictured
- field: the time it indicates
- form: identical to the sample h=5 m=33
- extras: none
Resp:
h=6 m=42
